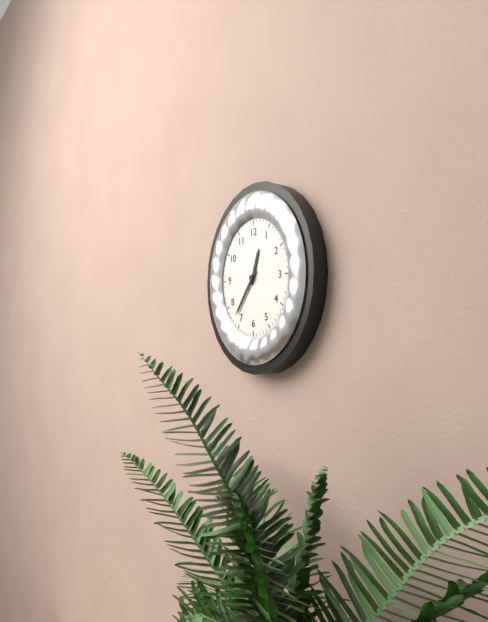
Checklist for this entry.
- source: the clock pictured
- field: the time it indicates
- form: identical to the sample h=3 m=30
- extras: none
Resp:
h=12 m=36
